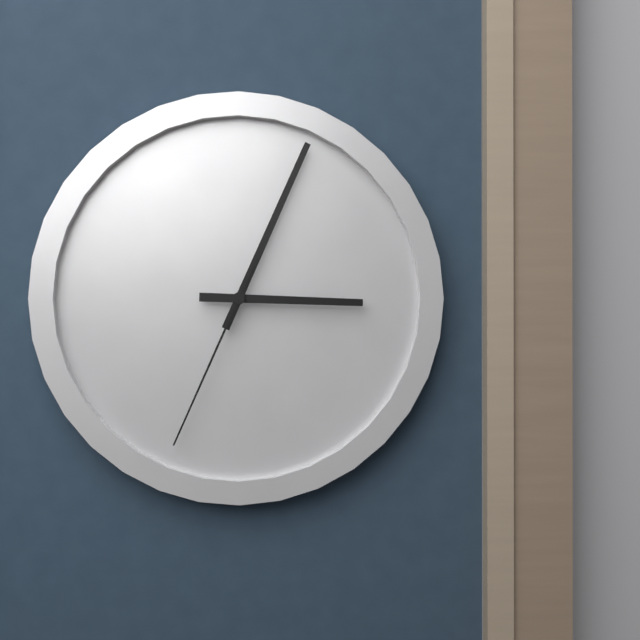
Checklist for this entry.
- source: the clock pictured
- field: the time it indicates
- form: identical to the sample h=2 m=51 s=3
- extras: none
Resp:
h=3 m=4 s=34
